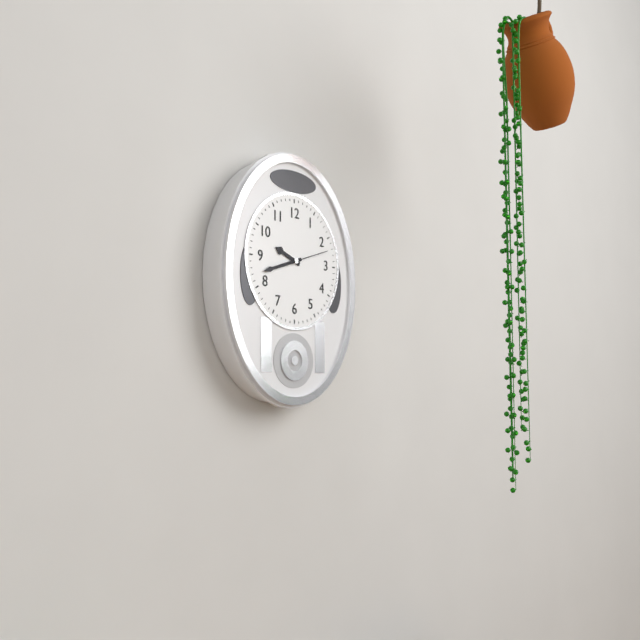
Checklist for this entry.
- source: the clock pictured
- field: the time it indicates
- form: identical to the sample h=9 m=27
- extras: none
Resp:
h=9 m=42
